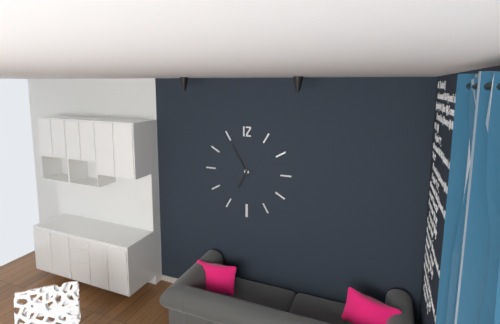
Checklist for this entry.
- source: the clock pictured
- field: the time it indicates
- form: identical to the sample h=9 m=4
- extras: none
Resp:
h=6 m=55
